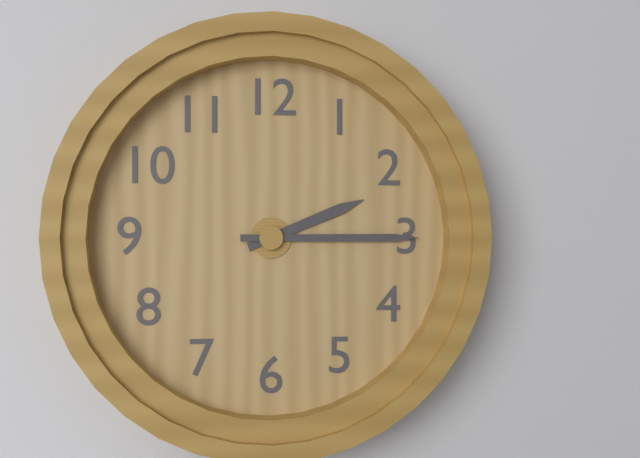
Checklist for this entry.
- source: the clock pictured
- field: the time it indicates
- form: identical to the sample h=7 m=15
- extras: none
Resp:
h=2 m=15
